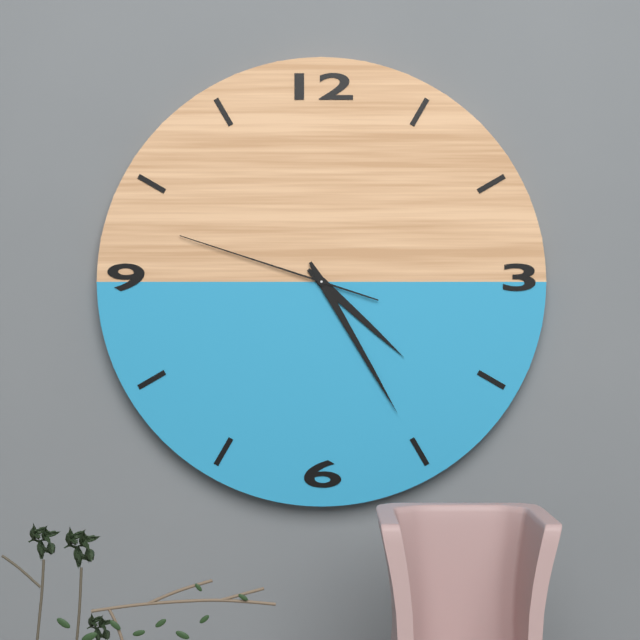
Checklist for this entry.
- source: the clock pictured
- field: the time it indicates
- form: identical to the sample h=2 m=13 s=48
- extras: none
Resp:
h=4 m=25 s=48
